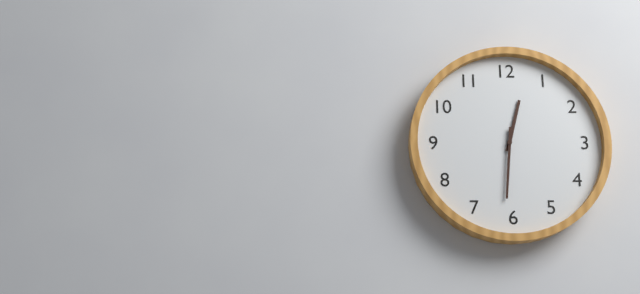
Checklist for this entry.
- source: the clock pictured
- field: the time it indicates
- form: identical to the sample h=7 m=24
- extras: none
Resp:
h=12 m=31
